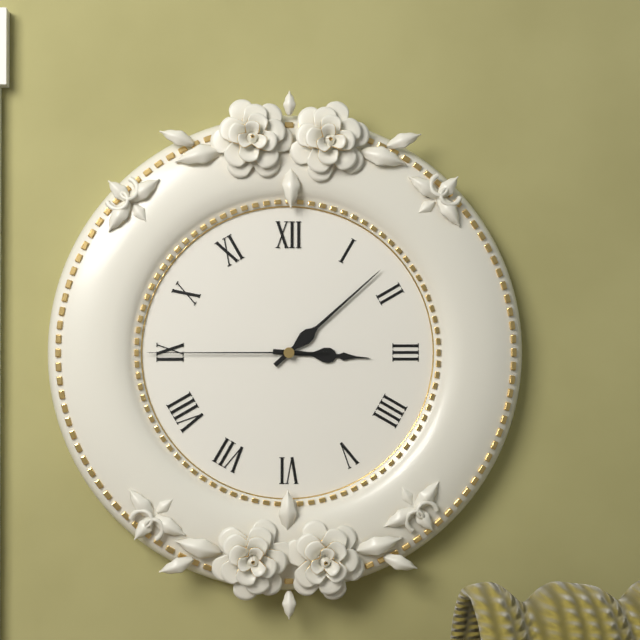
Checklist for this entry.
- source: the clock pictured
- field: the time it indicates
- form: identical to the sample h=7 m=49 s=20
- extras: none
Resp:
h=3 m=8 s=45
